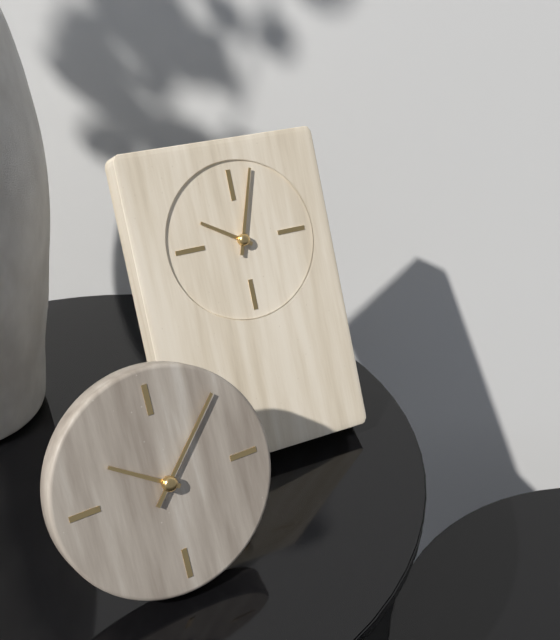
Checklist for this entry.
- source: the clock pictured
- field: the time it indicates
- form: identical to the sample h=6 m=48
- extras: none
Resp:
h=10 m=3
